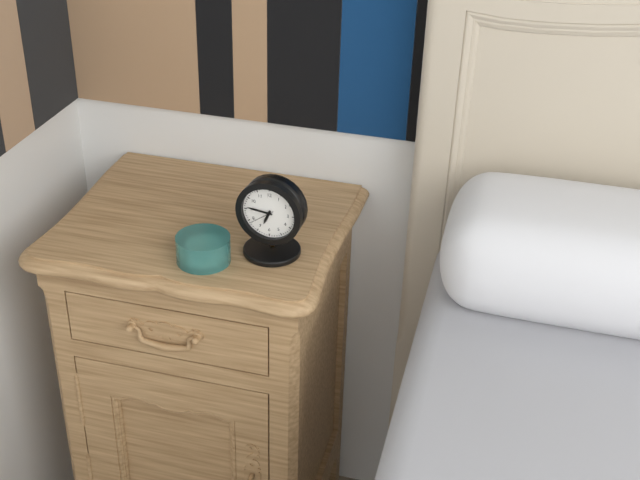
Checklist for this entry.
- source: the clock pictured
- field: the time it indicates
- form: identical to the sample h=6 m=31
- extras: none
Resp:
h=6 m=46
